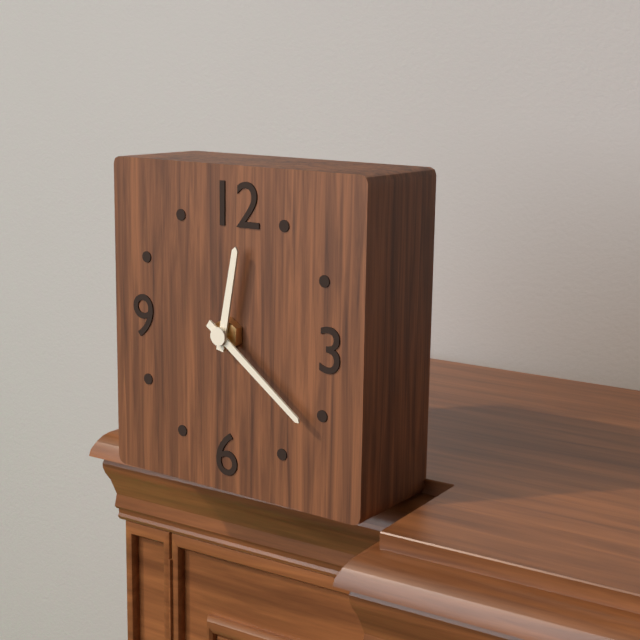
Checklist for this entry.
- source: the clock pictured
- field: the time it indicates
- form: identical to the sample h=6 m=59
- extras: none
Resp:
h=12 m=21
